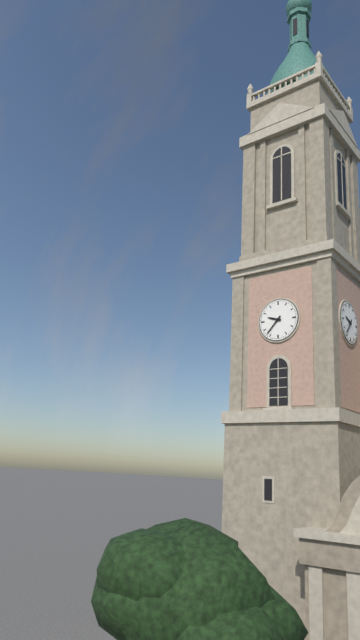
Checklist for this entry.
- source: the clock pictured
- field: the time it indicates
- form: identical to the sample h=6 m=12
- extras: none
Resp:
h=9 m=37
